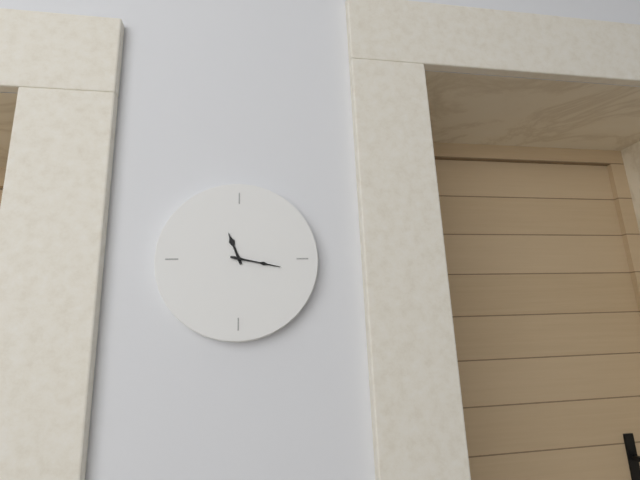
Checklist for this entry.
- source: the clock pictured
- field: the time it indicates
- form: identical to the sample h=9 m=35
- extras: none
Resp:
h=11 m=17
